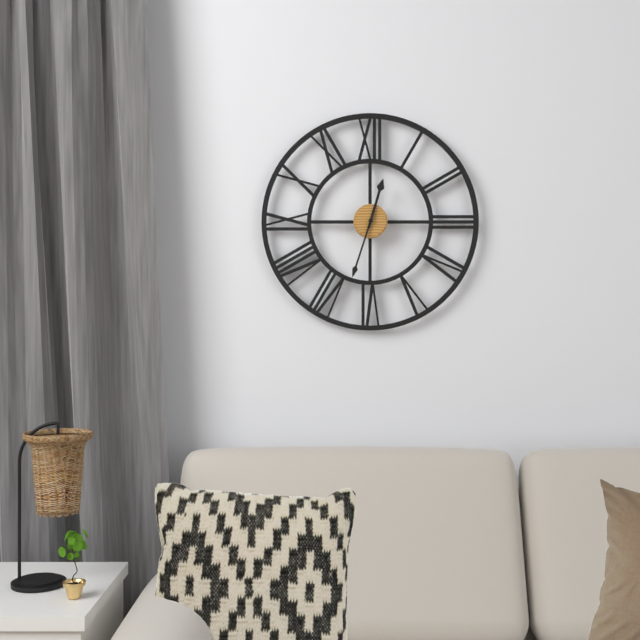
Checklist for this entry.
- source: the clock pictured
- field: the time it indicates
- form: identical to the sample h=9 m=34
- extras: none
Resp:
h=12 m=33
